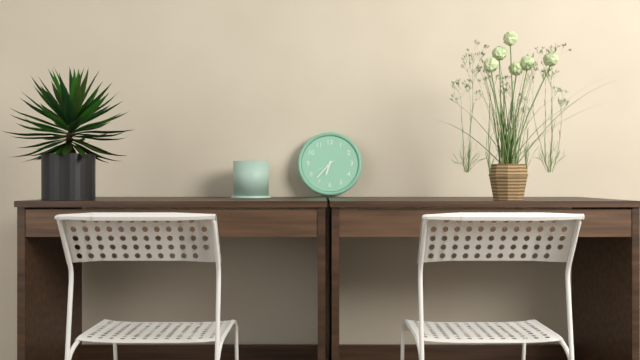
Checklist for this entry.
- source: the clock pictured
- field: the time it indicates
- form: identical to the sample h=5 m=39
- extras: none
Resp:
h=6 m=37
